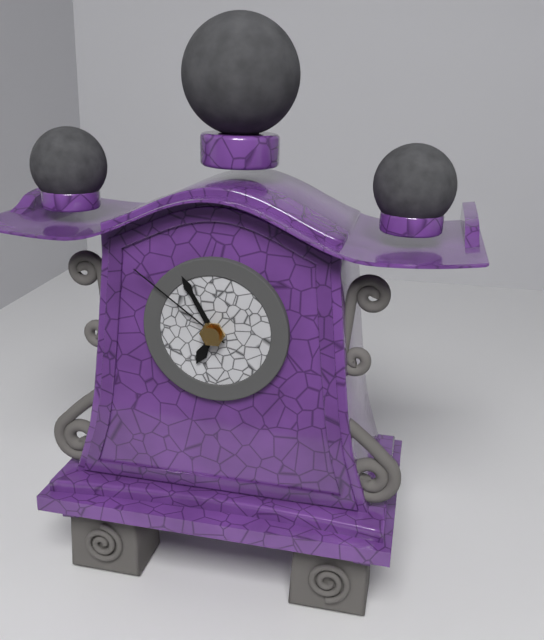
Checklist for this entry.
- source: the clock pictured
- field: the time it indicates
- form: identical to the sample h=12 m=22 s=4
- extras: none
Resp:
h=6 m=55 s=51
